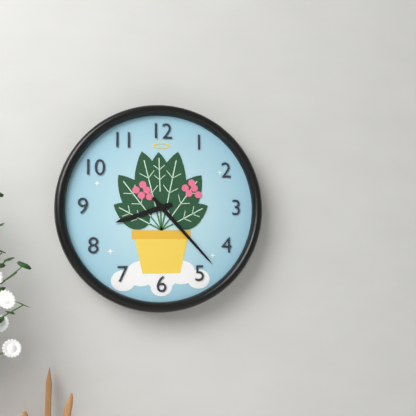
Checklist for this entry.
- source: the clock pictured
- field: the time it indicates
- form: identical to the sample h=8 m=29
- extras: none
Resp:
h=8 m=23
